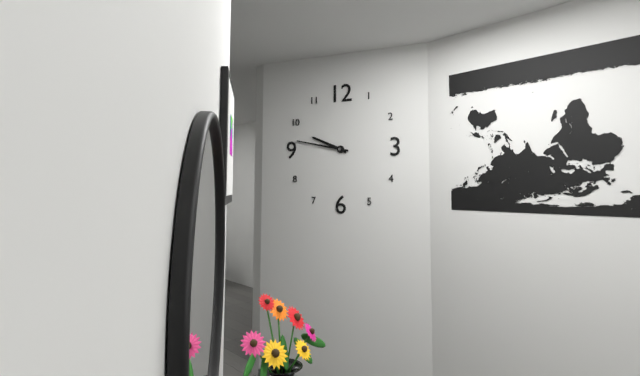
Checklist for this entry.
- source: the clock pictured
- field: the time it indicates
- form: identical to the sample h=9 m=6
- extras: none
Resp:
h=9 m=47
